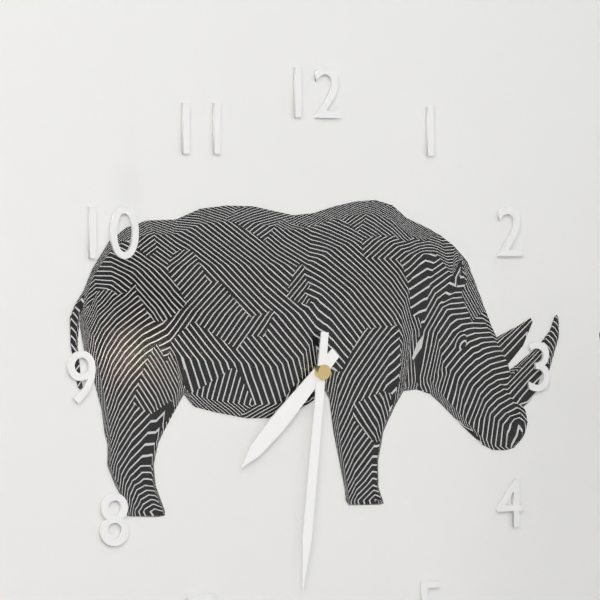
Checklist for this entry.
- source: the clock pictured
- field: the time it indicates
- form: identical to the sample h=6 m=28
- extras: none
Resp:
h=7 m=31
